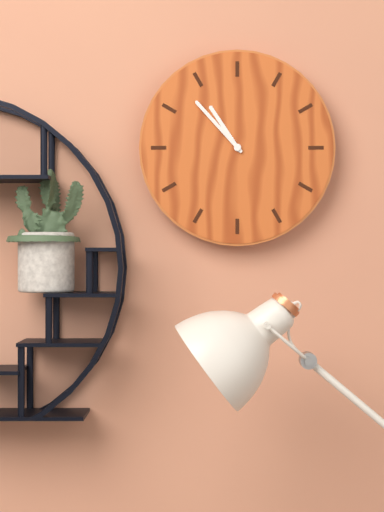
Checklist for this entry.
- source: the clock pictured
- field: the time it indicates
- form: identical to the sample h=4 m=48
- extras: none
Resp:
h=10 m=53
